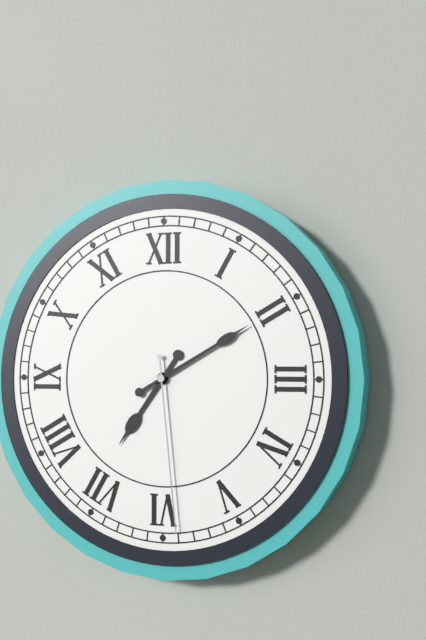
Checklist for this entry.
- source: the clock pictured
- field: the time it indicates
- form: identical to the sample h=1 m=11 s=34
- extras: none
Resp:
h=7 m=10 s=29
